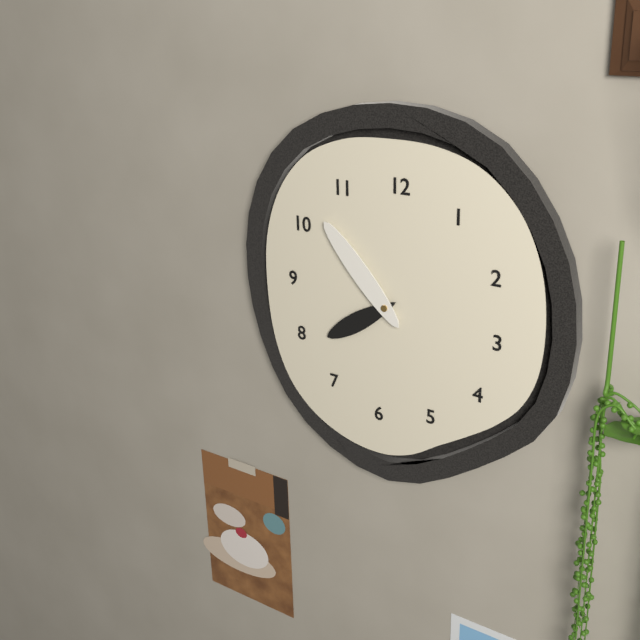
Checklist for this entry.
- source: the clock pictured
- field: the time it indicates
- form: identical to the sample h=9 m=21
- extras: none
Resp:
h=7 m=53
